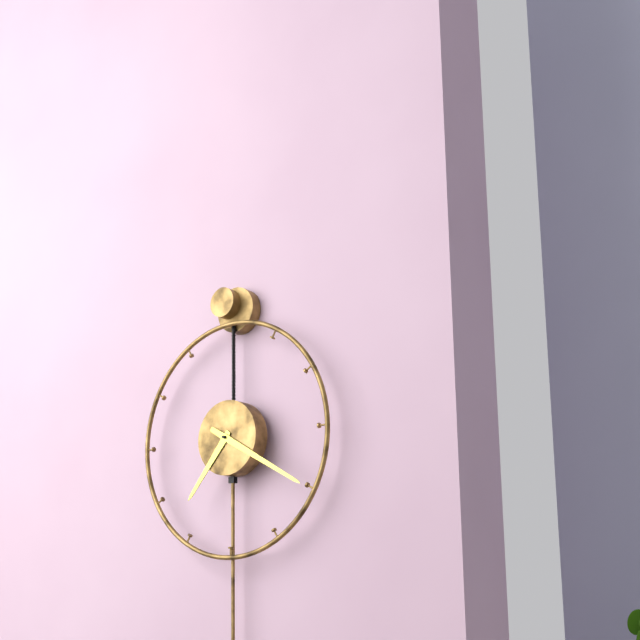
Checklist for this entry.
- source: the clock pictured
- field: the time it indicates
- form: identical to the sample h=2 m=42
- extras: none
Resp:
h=7 m=20
